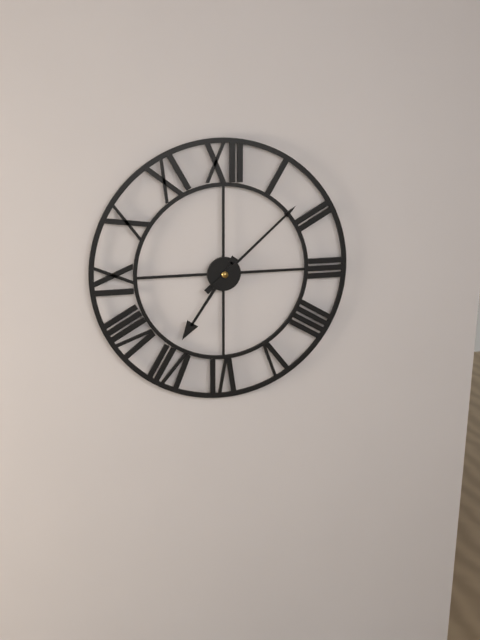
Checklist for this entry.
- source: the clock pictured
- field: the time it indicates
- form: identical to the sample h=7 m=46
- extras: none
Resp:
h=7 m=8
